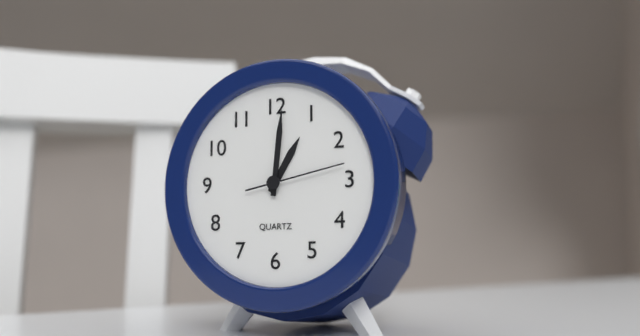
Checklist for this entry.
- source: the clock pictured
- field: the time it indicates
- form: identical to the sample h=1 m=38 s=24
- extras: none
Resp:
h=1 m=1 s=13
